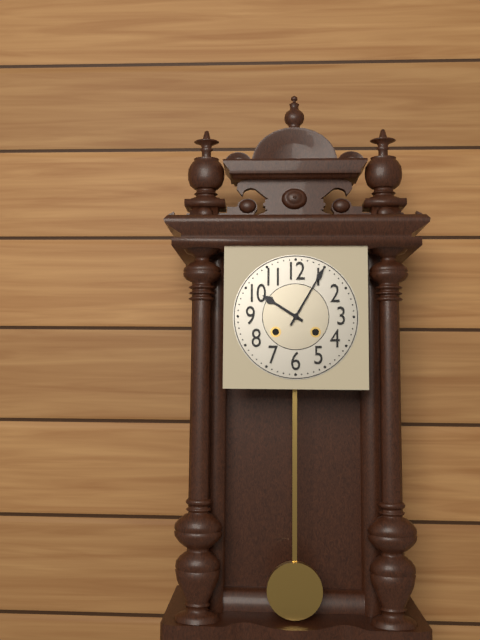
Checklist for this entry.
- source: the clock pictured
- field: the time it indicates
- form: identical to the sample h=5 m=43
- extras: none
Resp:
h=10 m=5
